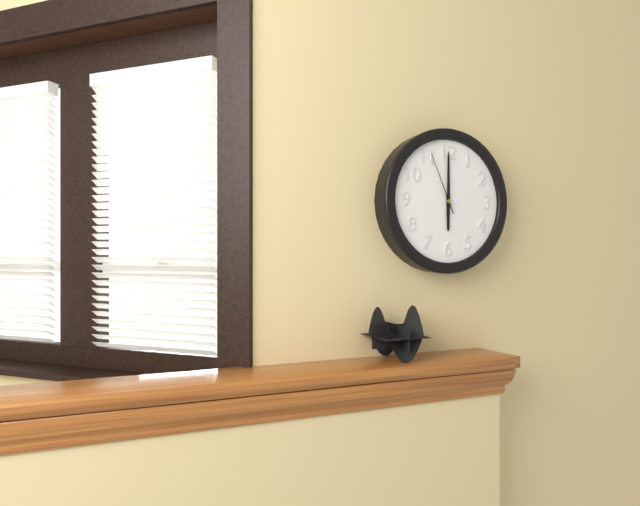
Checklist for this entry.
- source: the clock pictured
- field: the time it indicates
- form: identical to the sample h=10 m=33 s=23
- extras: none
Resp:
h=6 m=0 s=56
